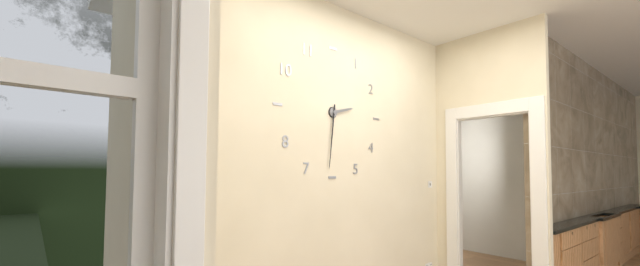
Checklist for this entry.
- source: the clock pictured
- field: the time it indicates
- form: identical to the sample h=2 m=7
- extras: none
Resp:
h=2 m=31
